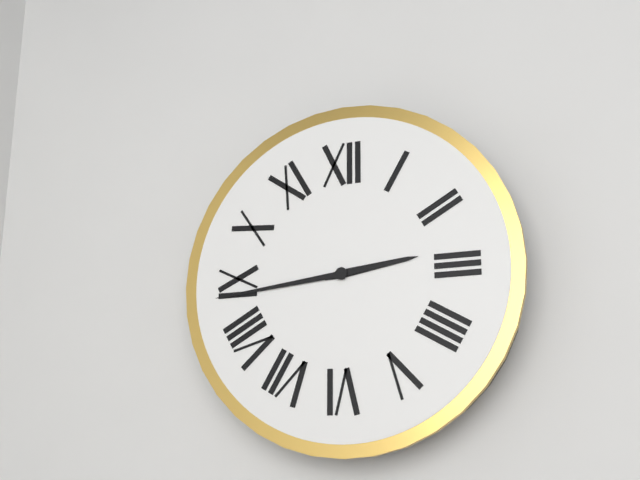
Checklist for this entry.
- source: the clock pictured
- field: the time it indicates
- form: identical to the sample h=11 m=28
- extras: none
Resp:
h=2 m=44
